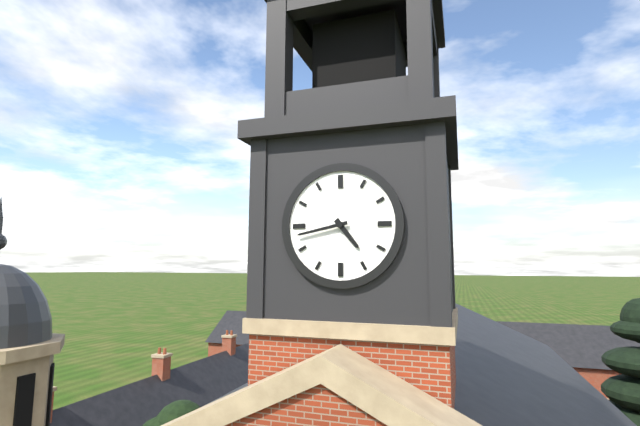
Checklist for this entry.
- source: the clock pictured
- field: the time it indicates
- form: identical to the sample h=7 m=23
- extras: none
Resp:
h=4 m=43
